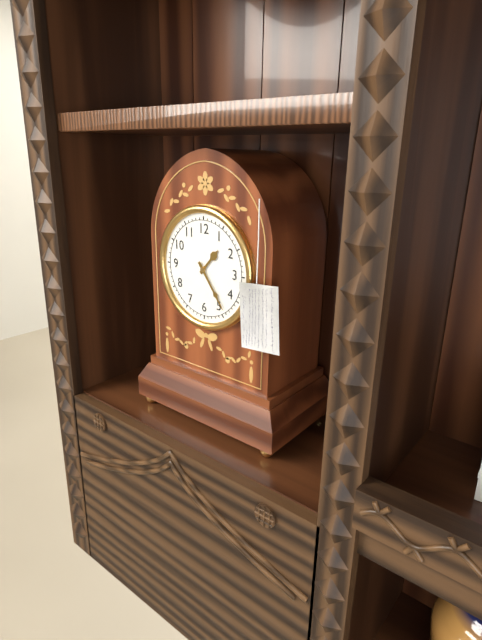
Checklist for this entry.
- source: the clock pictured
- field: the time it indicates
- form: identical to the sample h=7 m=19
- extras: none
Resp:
h=1 m=24
